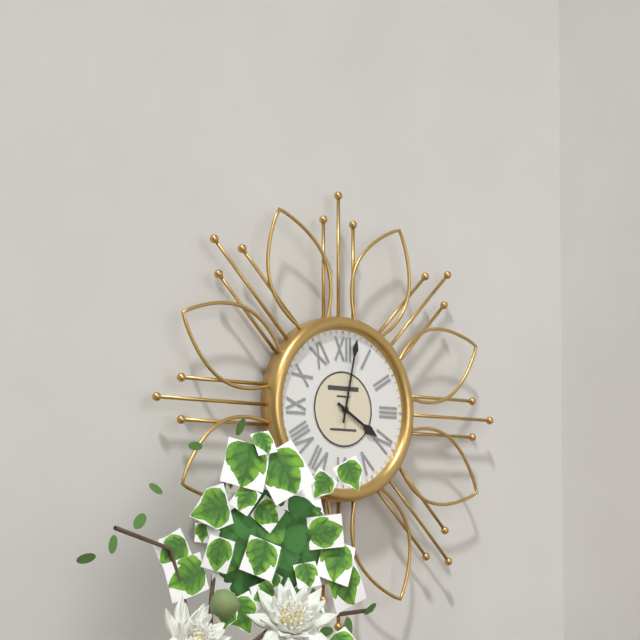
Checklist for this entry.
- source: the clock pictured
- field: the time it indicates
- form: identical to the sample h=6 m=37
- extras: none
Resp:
h=4 m=2
